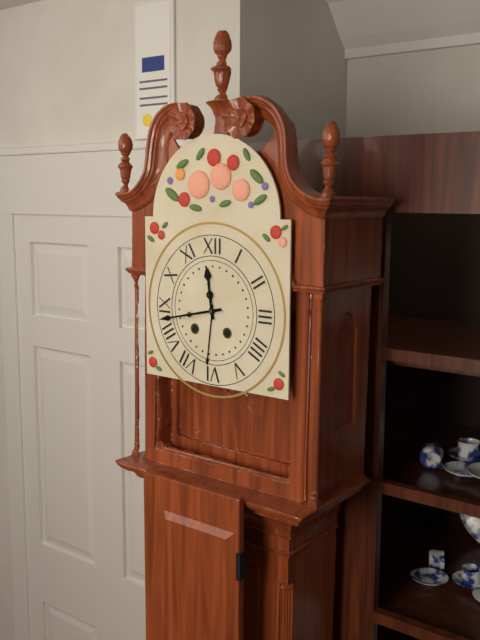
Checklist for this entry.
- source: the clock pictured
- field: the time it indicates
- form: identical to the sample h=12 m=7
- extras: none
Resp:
h=11 m=43
